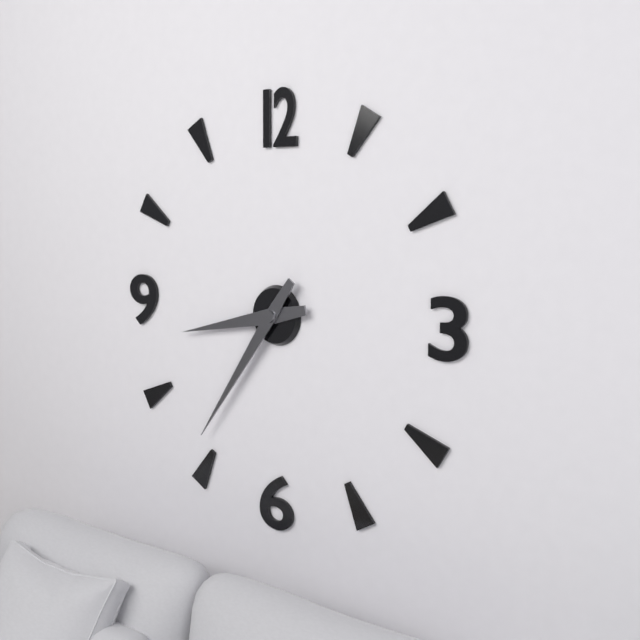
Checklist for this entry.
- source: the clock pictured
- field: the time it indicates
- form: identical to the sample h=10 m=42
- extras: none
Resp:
h=8 m=36
